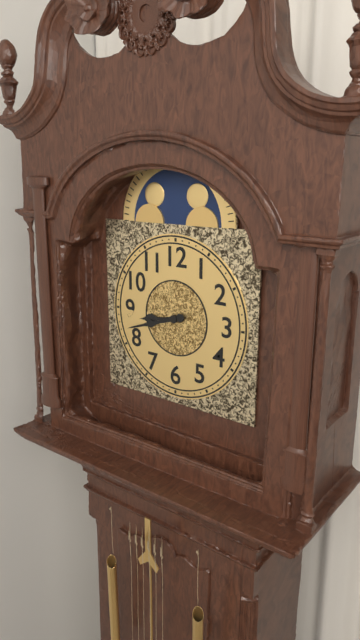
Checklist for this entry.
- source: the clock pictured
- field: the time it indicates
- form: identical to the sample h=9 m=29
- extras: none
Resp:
h=8 m=42
